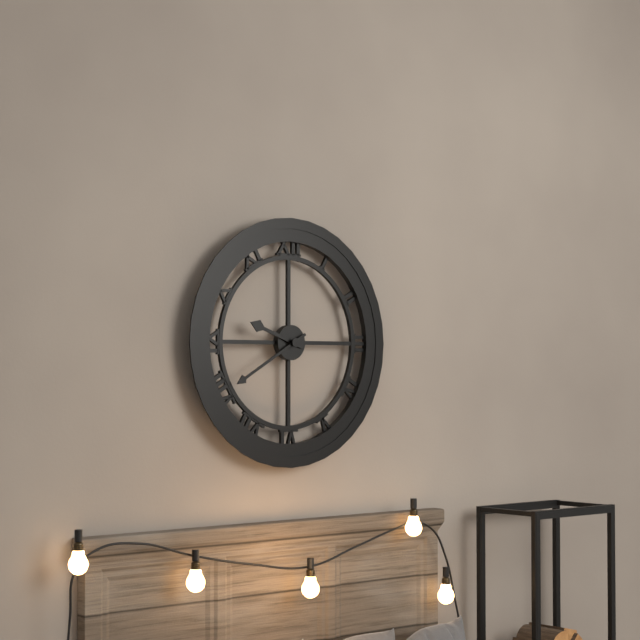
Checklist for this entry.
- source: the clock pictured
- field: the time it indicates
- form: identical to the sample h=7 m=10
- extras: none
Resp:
h=9 m=40
